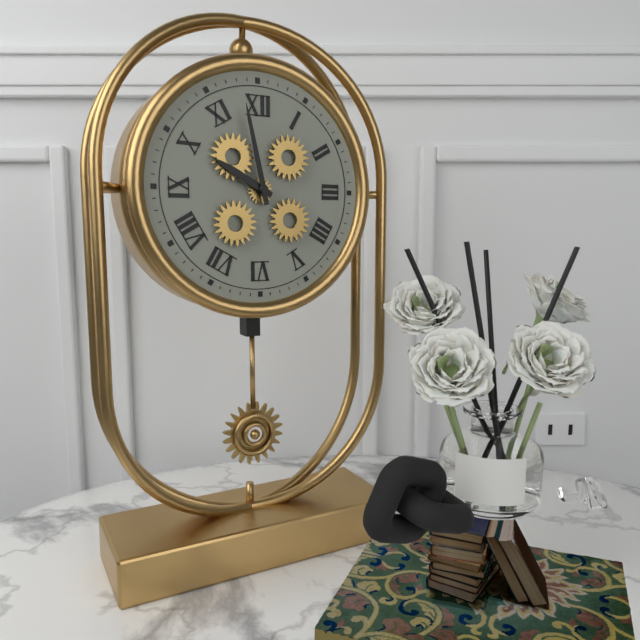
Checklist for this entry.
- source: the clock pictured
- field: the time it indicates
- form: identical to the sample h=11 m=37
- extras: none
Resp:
h=9 m=58
